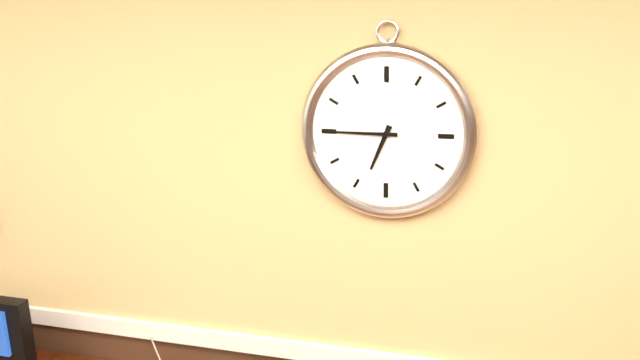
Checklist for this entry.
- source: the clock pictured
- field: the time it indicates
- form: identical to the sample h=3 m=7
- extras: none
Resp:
h=6 m=45
